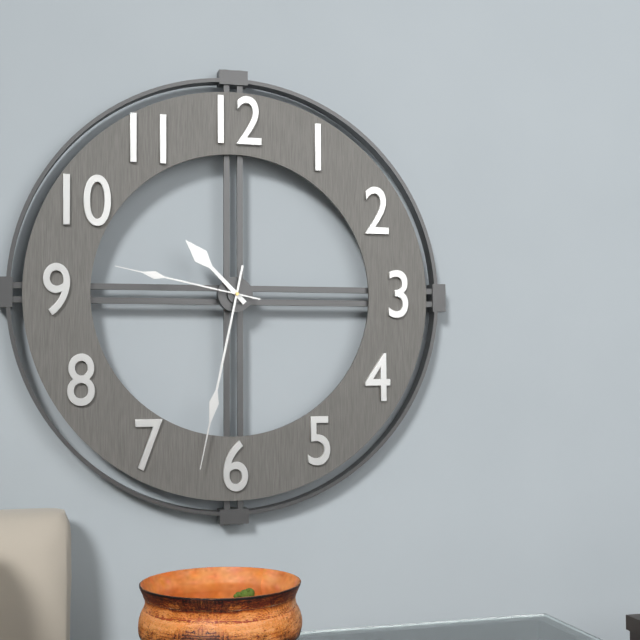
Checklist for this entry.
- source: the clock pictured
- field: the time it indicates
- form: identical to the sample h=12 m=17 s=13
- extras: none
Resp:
h=10 m=32 s=47
